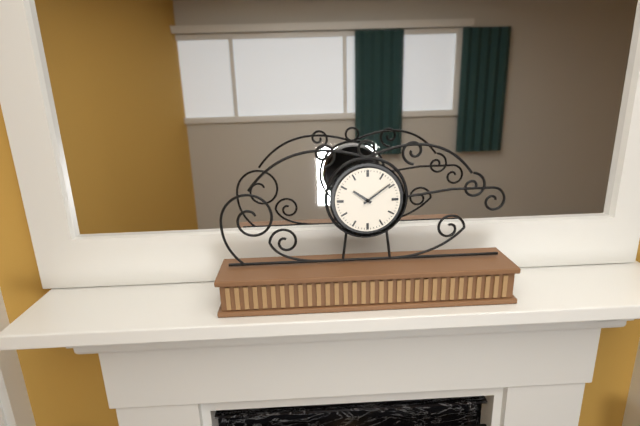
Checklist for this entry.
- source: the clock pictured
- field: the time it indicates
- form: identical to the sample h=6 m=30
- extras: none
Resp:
h=10 m=9
